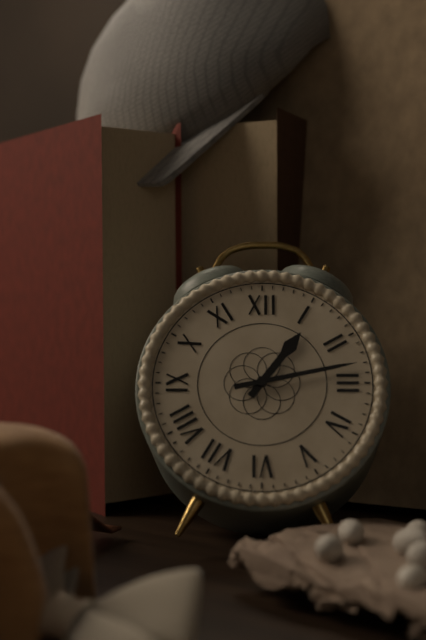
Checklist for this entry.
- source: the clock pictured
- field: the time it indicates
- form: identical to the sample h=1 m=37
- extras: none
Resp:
h=1 m=13
